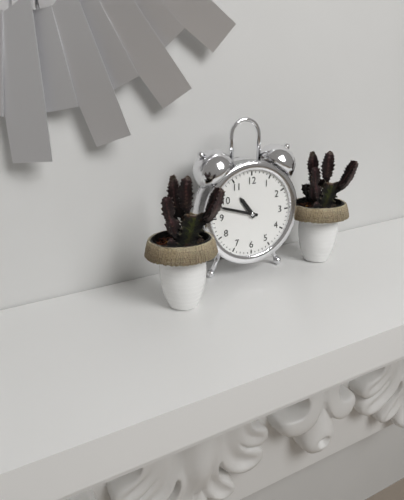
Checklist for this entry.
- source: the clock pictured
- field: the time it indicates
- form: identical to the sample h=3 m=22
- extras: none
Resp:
h=10 m=48
